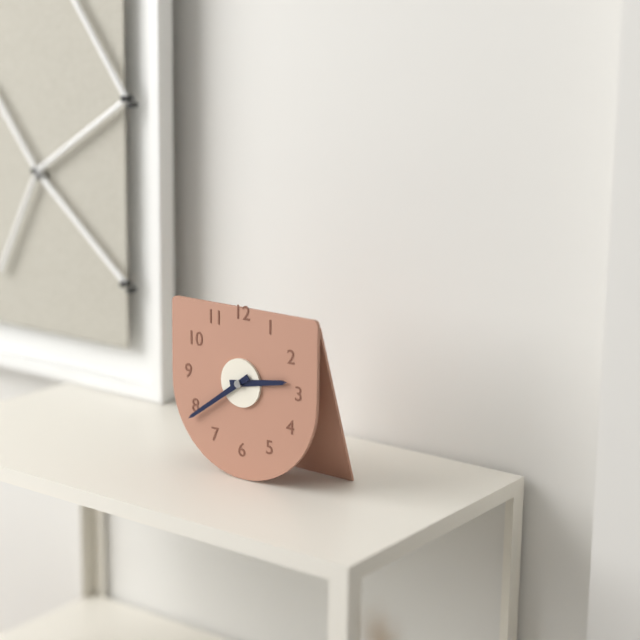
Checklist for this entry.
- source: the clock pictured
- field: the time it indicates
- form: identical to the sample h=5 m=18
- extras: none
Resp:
h=2 m=39
